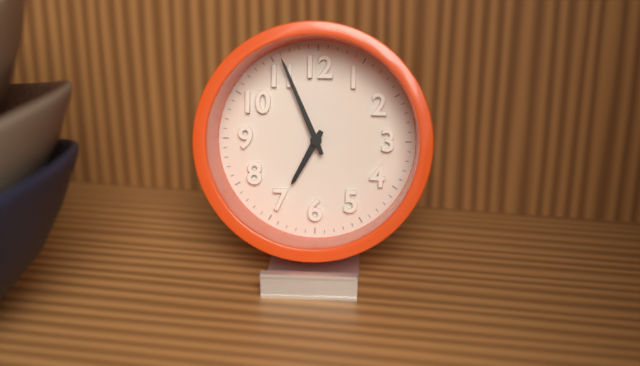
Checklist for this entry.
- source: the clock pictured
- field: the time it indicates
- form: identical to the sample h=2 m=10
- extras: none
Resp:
h=6 m=56
